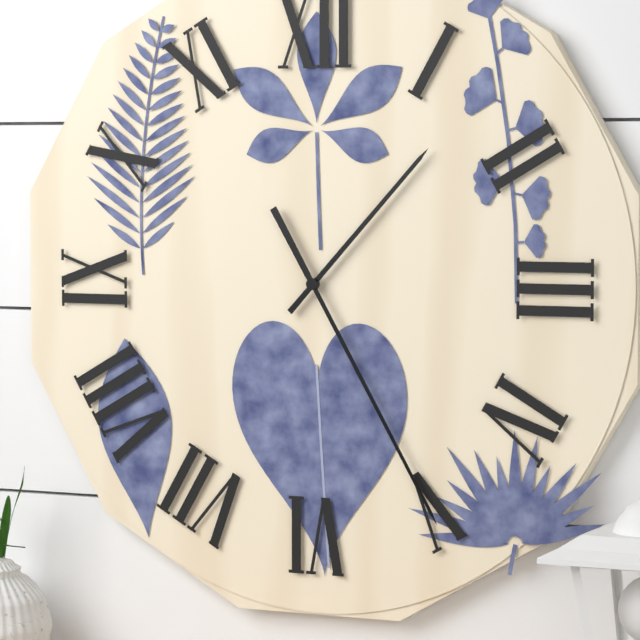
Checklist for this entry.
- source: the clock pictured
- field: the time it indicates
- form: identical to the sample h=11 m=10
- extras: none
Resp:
h=1 m=25
